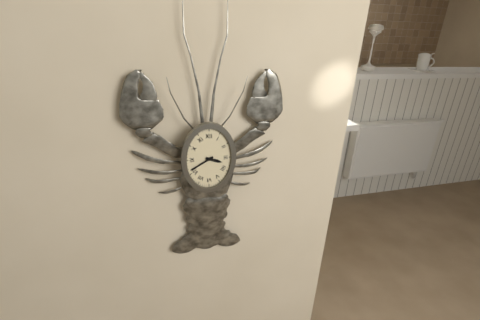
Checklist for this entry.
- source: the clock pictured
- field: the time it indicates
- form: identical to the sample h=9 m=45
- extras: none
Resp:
h=3 m=40
